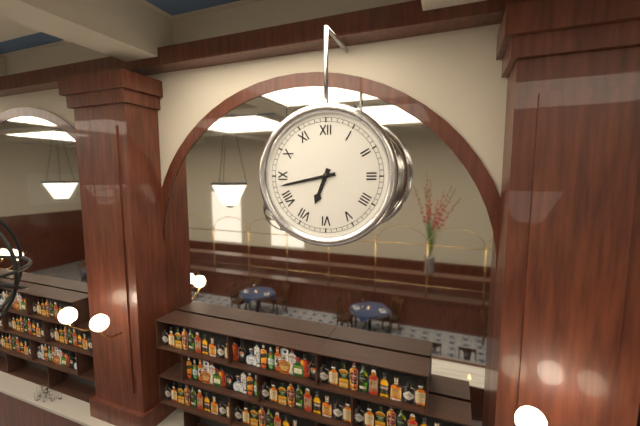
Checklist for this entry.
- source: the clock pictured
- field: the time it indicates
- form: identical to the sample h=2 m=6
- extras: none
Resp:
h=6 m=43
